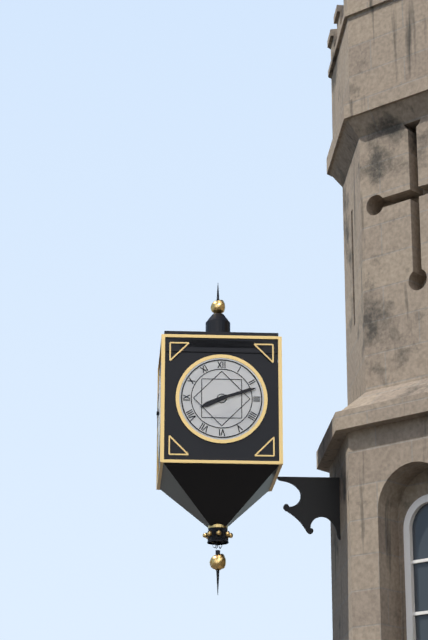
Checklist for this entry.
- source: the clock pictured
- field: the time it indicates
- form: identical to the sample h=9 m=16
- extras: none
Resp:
h=8 m=12
